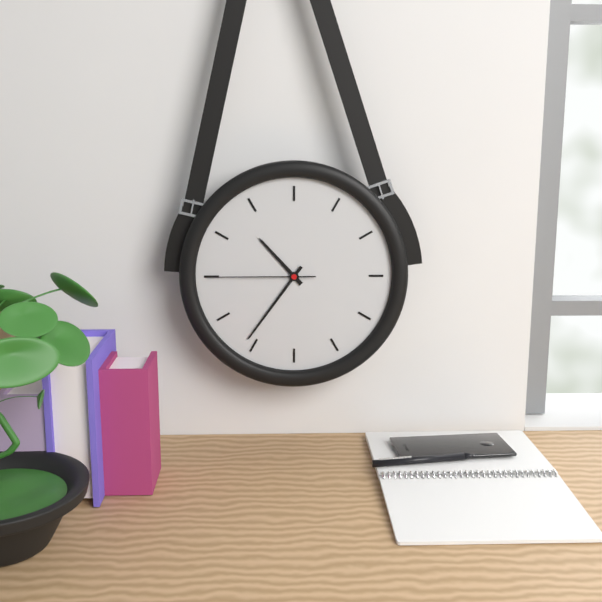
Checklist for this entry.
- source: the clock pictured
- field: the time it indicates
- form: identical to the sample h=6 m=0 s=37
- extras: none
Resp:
h=10 m=36 s=45
